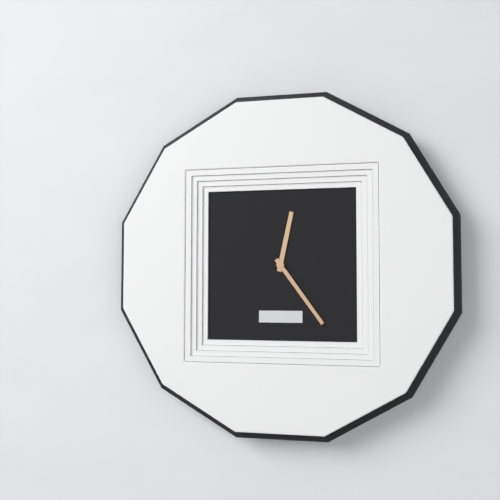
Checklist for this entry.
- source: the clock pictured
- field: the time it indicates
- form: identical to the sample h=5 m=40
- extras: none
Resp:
h=12 m=24
